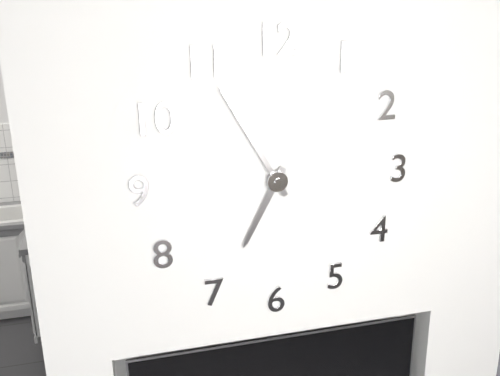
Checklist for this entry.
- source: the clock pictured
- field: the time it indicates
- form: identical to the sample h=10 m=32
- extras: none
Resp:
h=6 m=55
